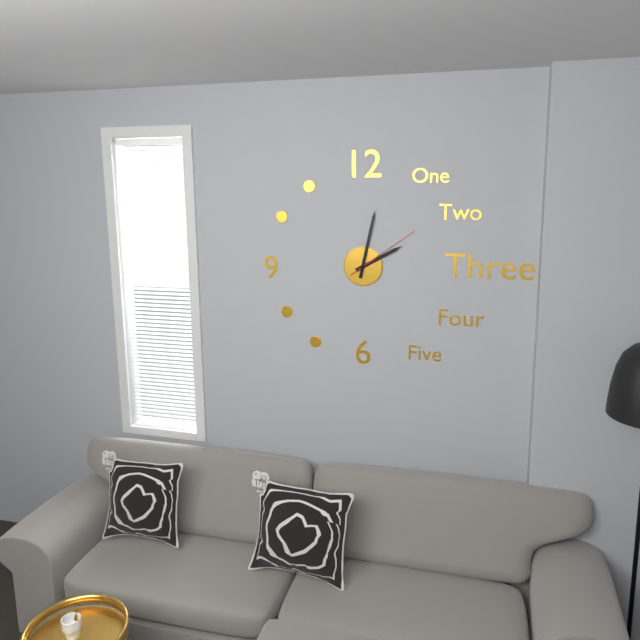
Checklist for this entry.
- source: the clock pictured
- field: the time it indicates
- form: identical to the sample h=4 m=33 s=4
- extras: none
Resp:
h=2 m=2 s=9
